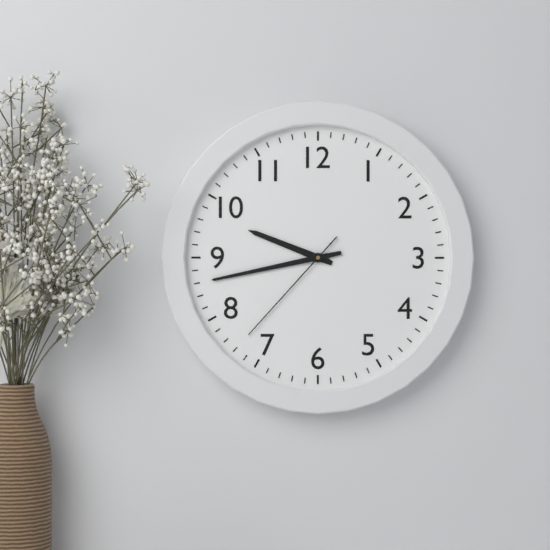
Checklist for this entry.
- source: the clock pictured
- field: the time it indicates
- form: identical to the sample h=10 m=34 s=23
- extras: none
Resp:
h=9 m=43 s=37
